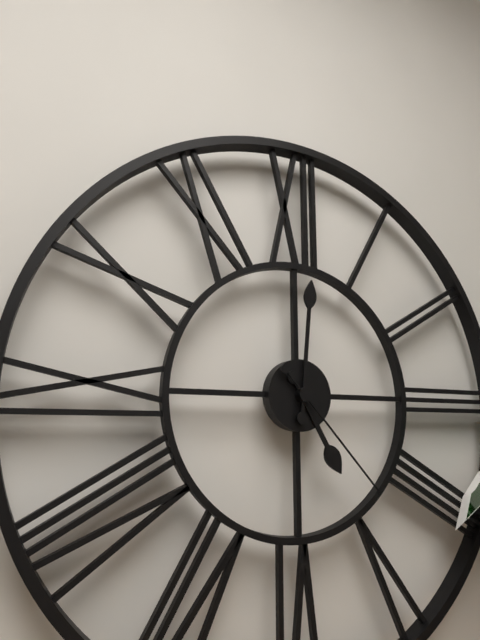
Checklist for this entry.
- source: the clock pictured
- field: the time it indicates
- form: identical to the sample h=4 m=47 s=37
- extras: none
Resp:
h=5 m=1 s=23
